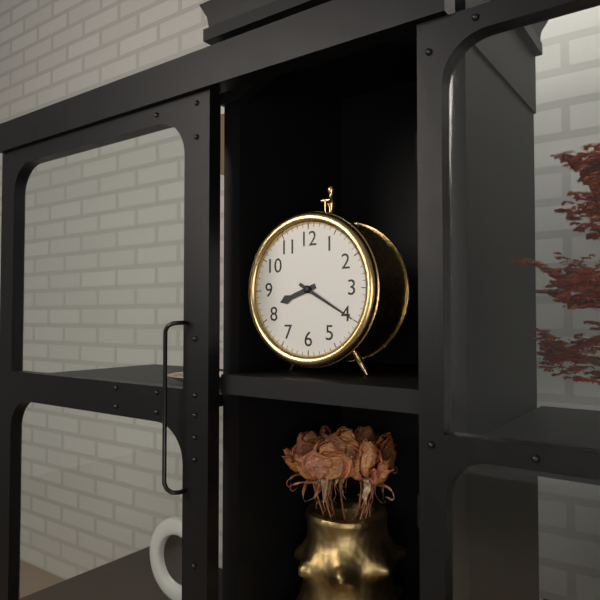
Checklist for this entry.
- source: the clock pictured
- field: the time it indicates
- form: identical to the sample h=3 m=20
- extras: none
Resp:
h=8 m=20
